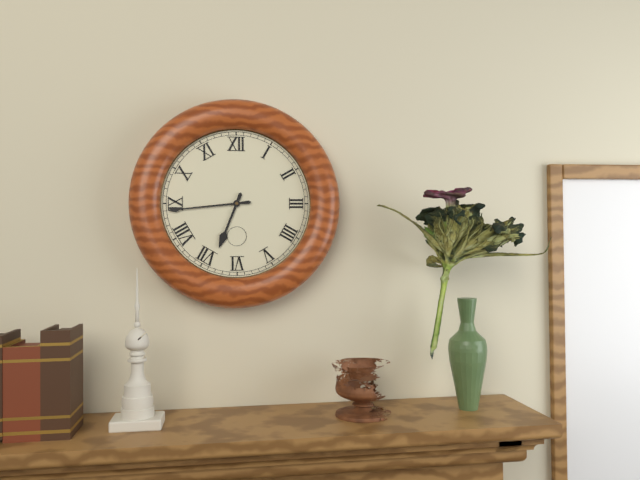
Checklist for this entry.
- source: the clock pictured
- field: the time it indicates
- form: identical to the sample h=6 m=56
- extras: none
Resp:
h=6 m=44
